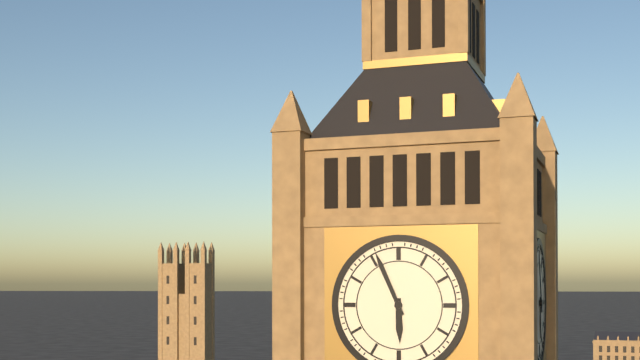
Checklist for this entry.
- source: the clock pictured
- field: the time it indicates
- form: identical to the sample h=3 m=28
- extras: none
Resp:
h=5 m=56
